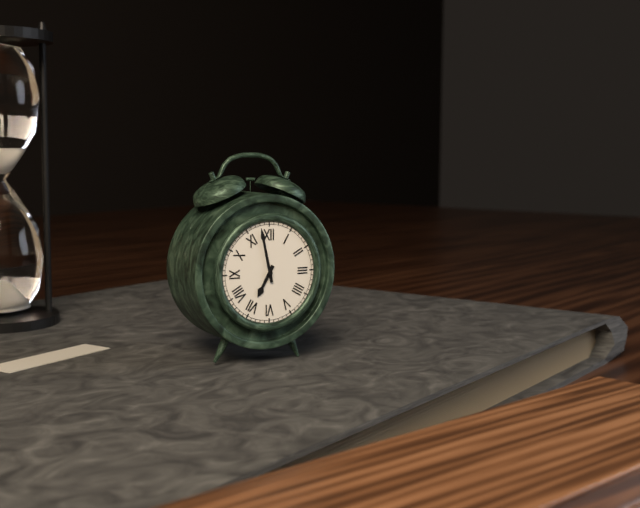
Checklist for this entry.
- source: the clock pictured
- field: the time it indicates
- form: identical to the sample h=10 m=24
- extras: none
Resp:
h=6 m=58
